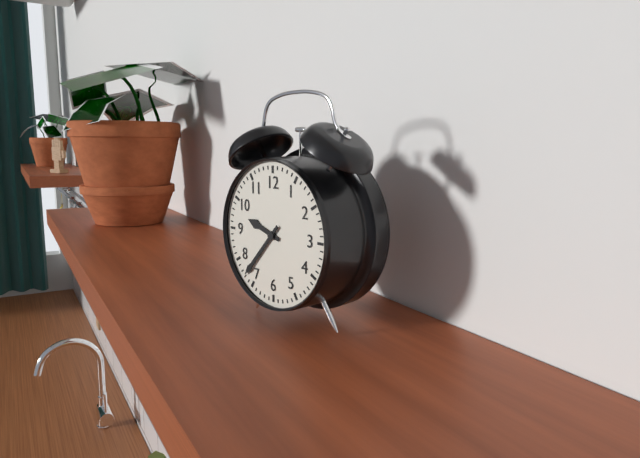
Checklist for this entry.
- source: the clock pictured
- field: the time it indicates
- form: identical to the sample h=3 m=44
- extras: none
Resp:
h=9 m=37
